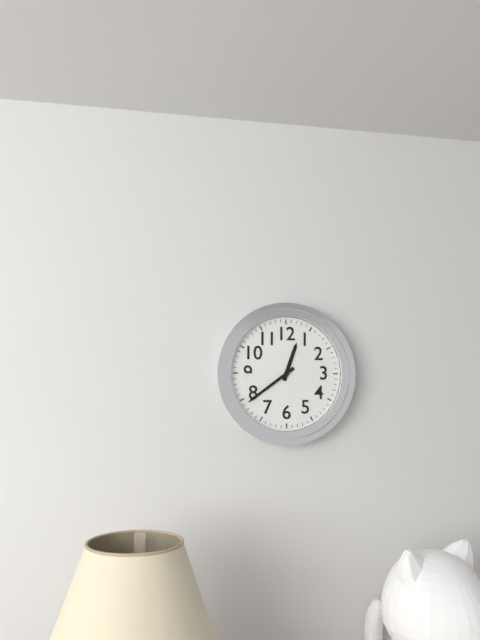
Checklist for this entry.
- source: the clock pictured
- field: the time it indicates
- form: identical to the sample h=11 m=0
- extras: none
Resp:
h=12 m=39
